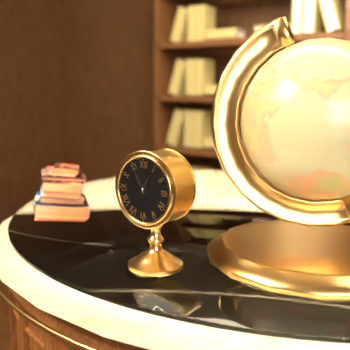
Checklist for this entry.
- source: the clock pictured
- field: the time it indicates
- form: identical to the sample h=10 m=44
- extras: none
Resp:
h=12 m=55
